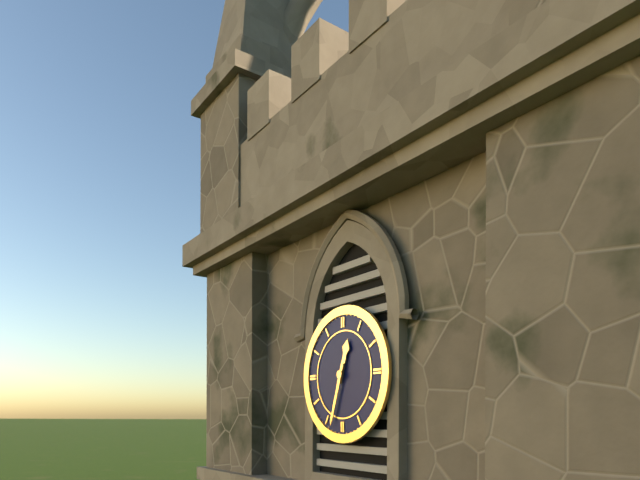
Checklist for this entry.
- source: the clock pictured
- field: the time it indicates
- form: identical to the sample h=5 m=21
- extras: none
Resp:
h=12 m=33
